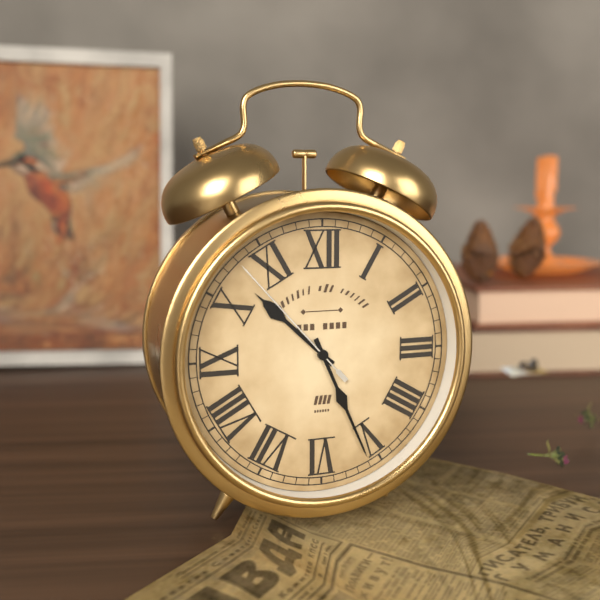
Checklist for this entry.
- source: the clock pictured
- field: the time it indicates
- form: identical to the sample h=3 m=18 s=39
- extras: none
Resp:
h=10 m=26 s=53
